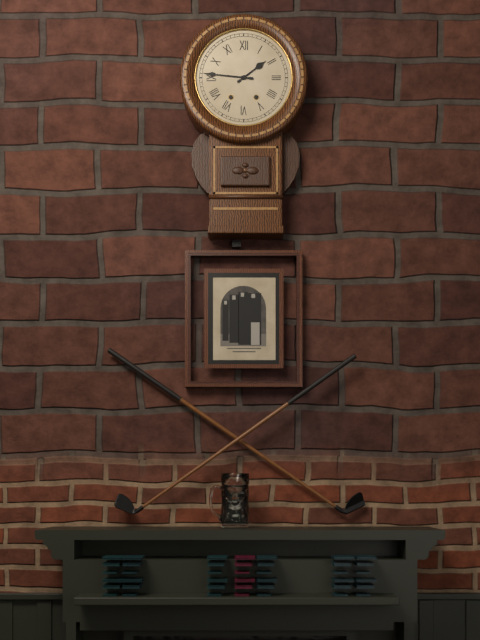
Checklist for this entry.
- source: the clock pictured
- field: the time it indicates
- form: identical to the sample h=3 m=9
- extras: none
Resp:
h=1 m=46
